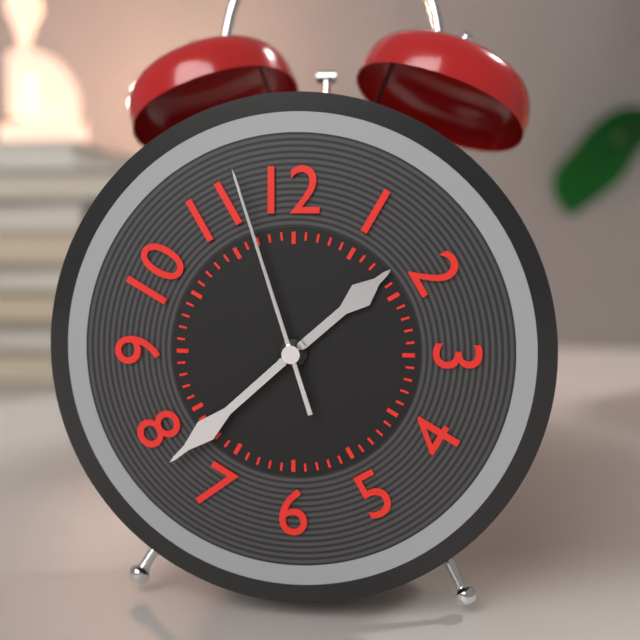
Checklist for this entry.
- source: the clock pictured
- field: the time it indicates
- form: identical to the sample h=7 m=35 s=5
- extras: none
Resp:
h=1 m=38 s=57
